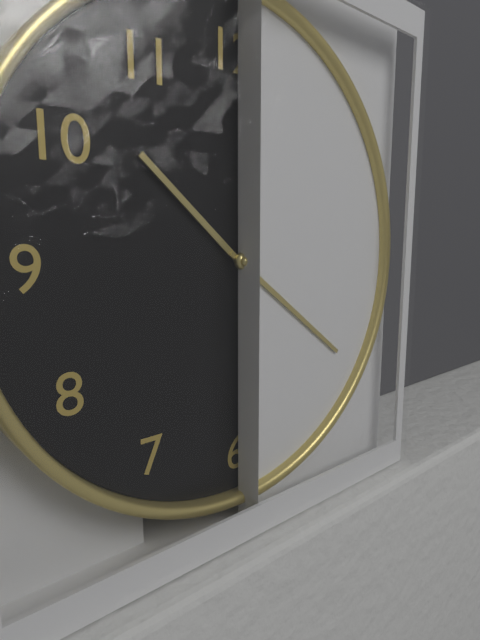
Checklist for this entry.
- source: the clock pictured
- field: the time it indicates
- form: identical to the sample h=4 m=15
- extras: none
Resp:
h=10 m=21
